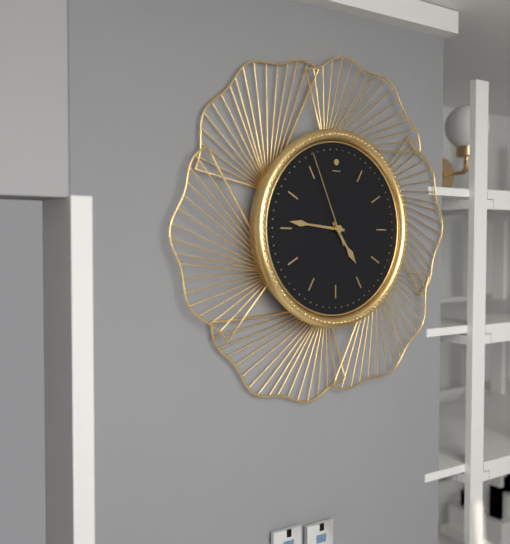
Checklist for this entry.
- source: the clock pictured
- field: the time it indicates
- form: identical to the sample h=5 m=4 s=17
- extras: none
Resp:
h=4 m=46 s=56
